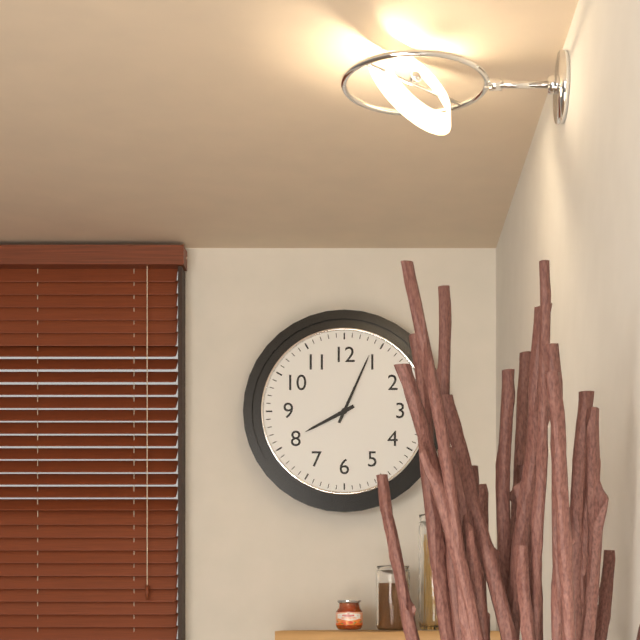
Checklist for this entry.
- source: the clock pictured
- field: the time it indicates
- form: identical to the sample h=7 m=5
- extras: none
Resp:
h=8 m=4
